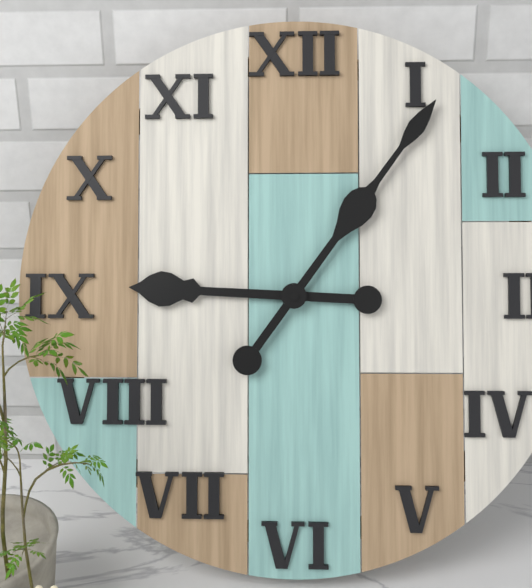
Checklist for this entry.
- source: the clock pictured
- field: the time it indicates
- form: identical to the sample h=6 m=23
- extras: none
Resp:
h=9 m=6
